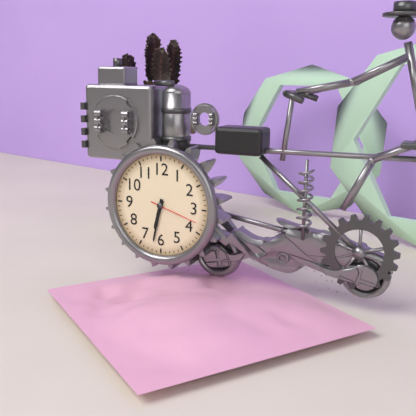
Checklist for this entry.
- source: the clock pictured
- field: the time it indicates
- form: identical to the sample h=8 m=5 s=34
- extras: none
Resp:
h=6 m=32 s=18
